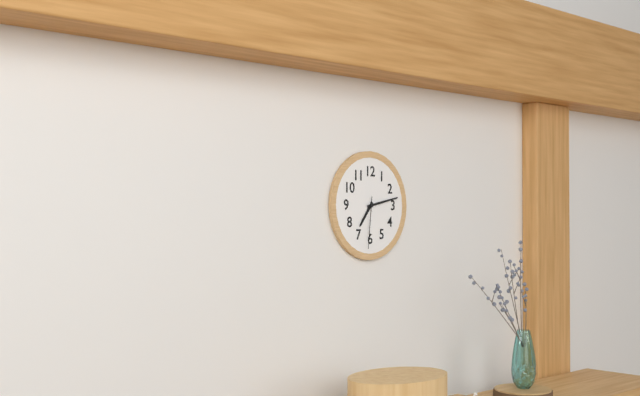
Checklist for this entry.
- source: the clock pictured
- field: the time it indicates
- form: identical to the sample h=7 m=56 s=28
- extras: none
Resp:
h=7 m=13 s=31
